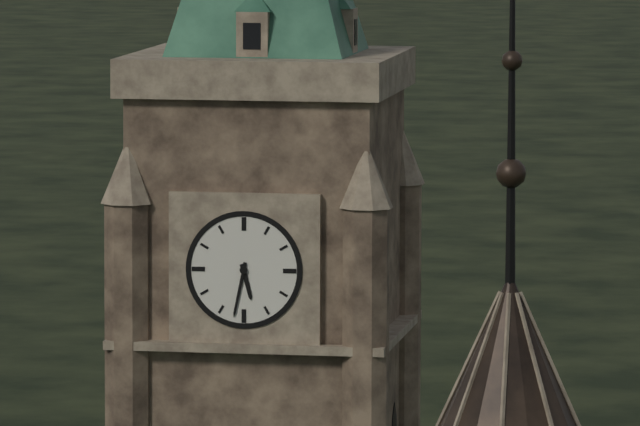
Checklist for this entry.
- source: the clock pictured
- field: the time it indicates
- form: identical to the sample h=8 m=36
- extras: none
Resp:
h=5 m=32
